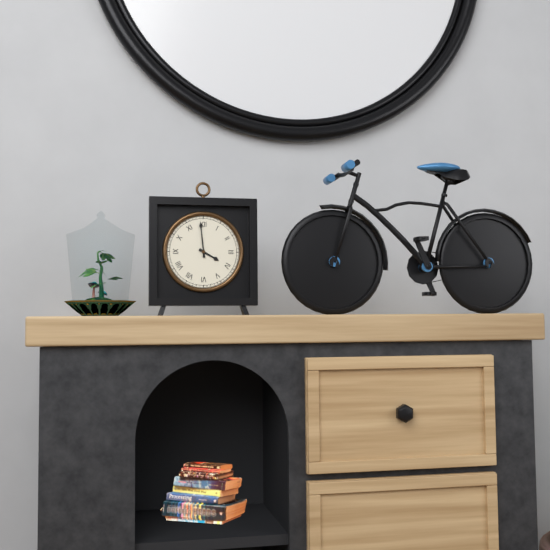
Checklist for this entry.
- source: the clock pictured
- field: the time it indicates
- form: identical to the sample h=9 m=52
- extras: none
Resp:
h=3 m=59
